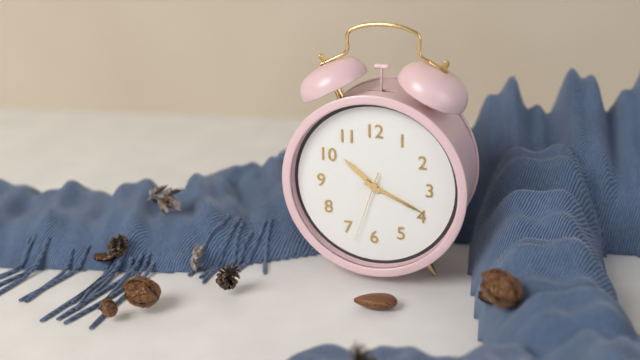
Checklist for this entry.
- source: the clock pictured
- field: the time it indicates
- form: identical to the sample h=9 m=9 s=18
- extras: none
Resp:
h=10 m=19 s=33
